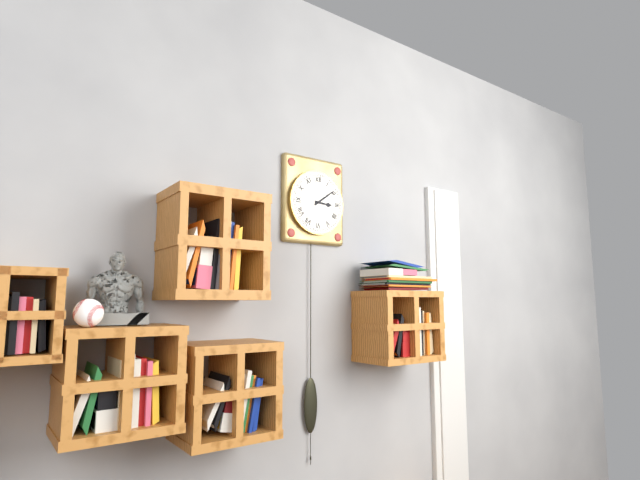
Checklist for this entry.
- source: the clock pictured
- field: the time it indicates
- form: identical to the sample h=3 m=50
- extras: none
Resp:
h=3 m=9
